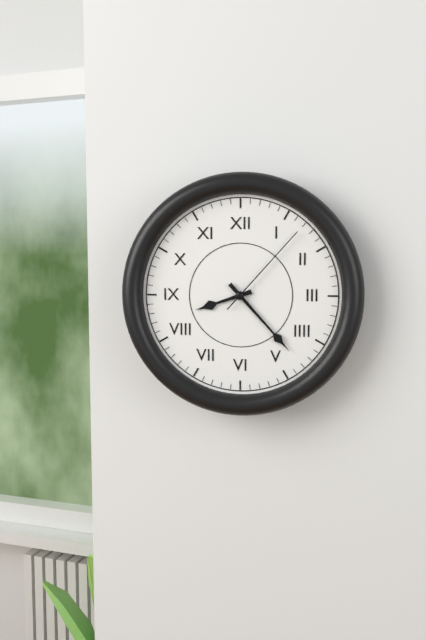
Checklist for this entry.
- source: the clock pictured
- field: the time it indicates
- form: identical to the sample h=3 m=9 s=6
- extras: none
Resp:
h=8 m=23 s=7
